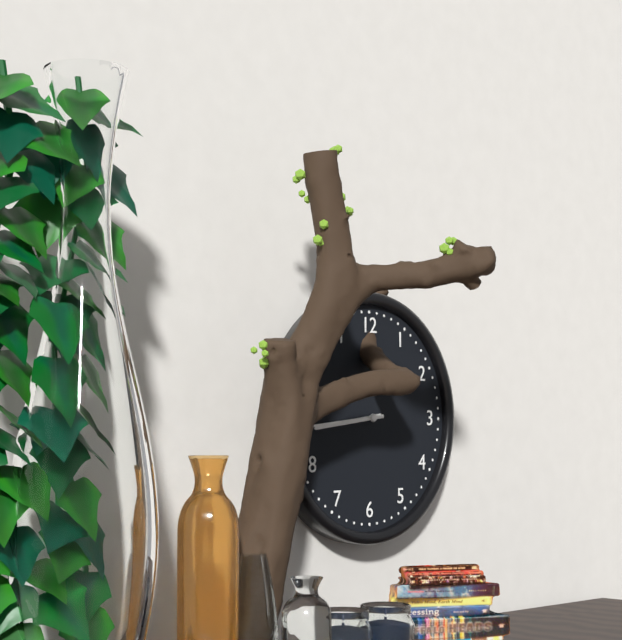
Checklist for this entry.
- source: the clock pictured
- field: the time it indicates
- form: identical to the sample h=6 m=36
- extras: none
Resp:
h=8 m=44
